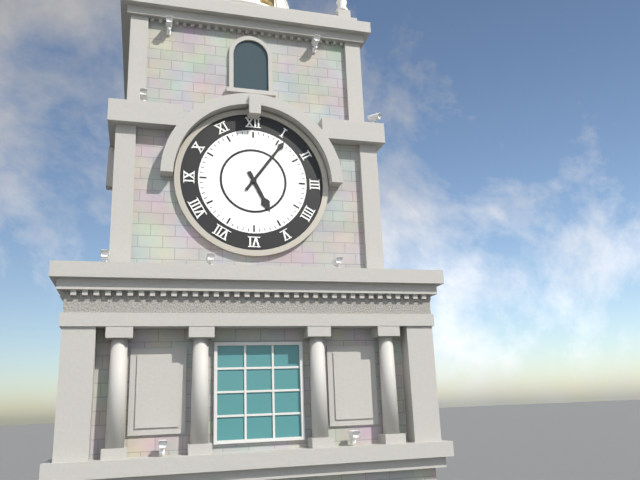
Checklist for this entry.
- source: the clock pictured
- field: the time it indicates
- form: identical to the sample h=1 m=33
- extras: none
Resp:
h=5 m=6
